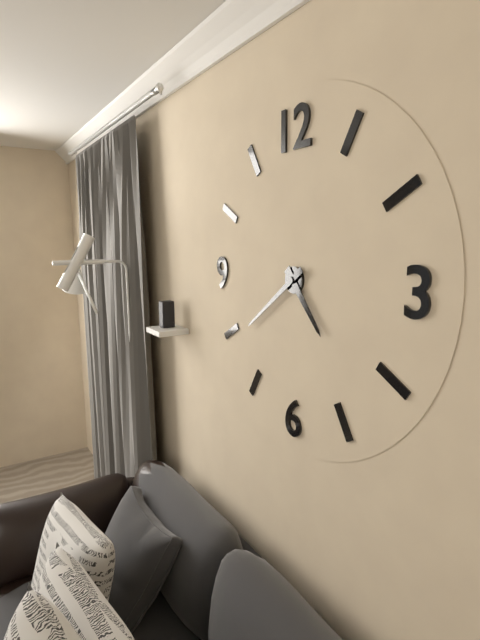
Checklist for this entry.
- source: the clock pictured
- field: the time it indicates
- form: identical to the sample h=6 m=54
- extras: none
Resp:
h=4 m=39
